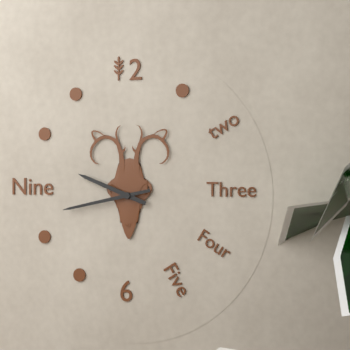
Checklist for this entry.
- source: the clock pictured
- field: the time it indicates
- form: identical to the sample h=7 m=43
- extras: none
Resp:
h=9 m=43
